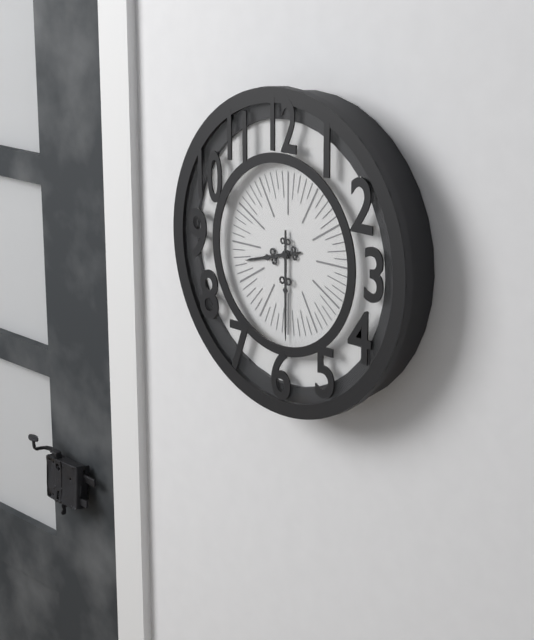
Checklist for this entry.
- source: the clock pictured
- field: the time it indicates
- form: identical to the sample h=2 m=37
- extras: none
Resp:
h=8 m=30
